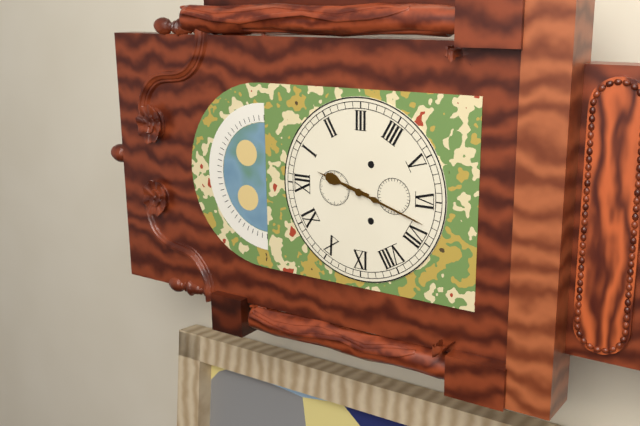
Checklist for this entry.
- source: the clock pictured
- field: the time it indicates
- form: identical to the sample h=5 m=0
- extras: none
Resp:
h=12 m=33
